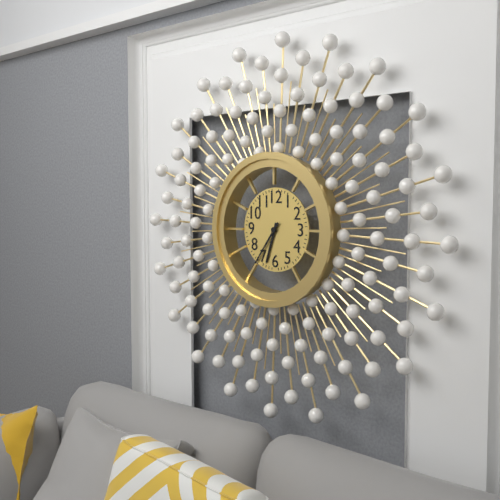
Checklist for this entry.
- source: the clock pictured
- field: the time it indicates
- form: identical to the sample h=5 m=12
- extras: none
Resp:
h=6 m=36
